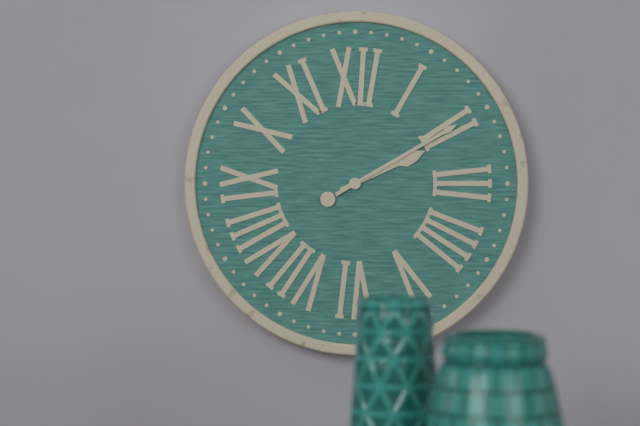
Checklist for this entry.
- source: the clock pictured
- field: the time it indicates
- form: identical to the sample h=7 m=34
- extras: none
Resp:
h=2 m=10
